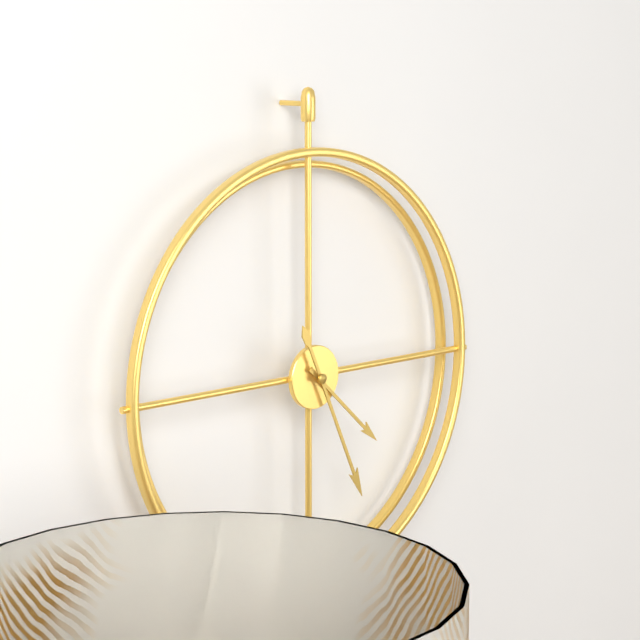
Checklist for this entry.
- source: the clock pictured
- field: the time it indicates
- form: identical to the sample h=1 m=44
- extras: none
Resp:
h=4 m=26
